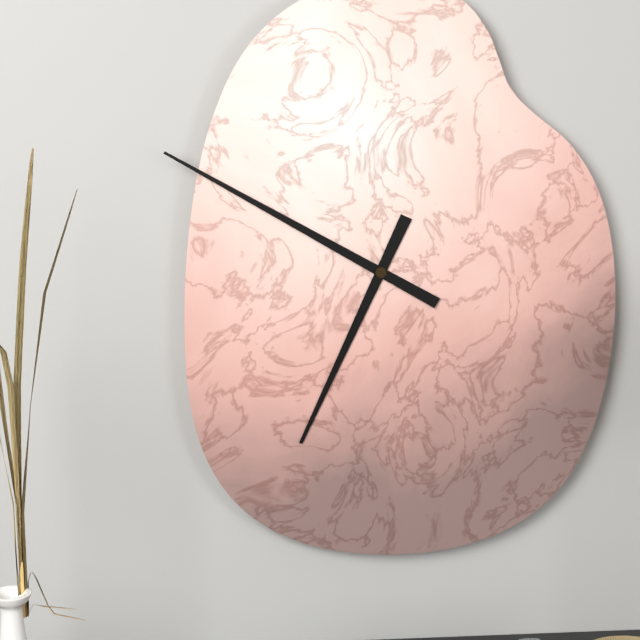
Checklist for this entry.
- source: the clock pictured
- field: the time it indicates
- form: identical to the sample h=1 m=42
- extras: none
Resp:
h=6 m=50
